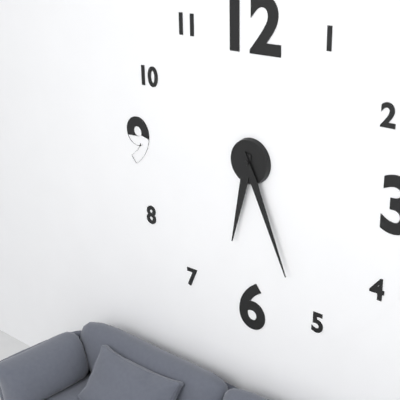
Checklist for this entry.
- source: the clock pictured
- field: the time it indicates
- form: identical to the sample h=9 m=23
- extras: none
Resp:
h=6 m=26
